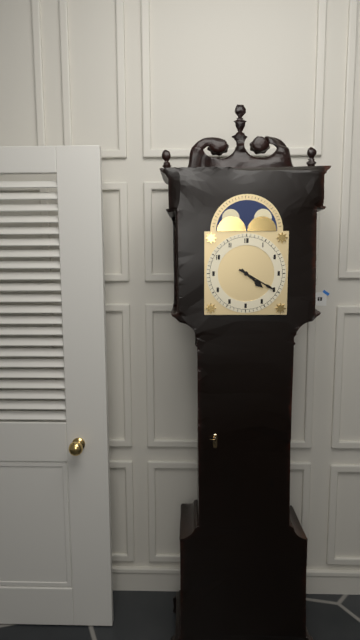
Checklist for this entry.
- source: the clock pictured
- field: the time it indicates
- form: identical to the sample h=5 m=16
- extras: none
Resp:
h=4 m=20
